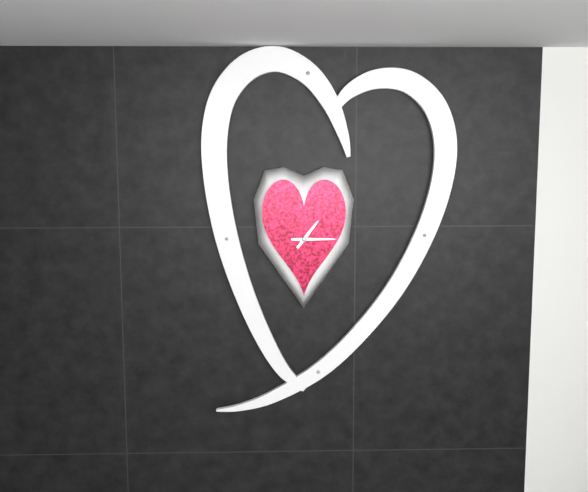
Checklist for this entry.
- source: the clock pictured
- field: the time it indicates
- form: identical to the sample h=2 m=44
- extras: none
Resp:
h=1 m=15
